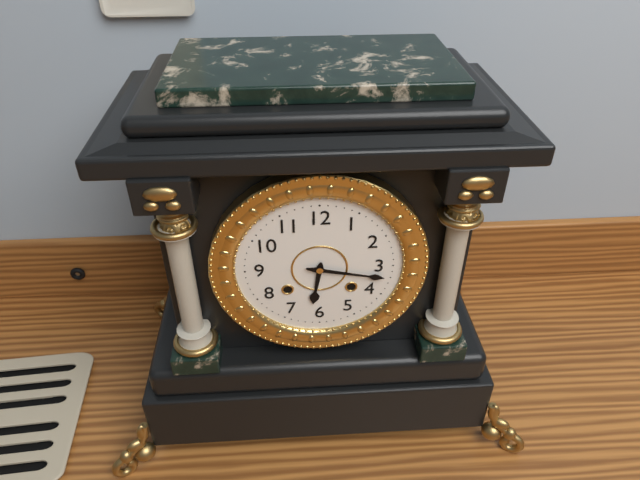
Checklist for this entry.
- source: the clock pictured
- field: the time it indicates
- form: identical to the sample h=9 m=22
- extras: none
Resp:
h=6 m=17
